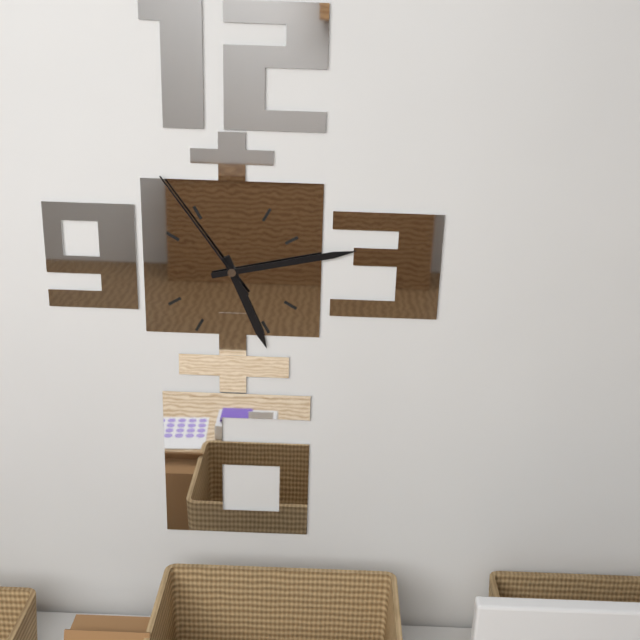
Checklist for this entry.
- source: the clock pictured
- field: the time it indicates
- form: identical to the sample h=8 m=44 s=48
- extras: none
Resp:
h=5 m=13 s=54
